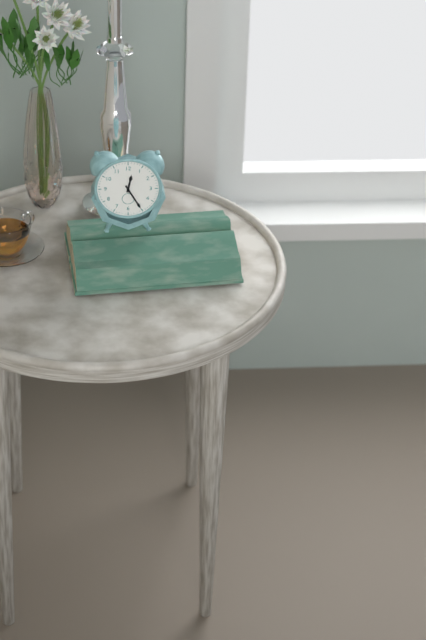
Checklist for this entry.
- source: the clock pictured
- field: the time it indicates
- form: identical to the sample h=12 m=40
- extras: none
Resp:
h=12 m=25
